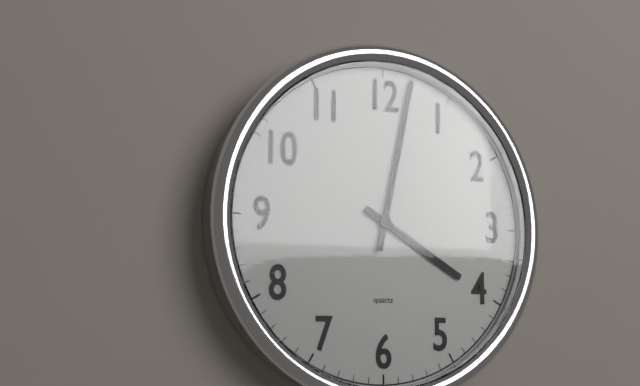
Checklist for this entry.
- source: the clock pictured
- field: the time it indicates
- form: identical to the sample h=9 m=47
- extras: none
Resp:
h=4 m=2
